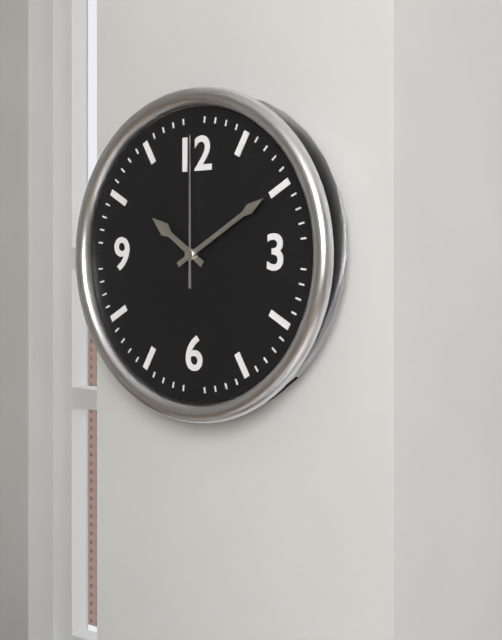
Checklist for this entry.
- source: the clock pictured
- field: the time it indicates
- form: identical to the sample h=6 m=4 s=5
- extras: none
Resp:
h=10 m=10 s=0
